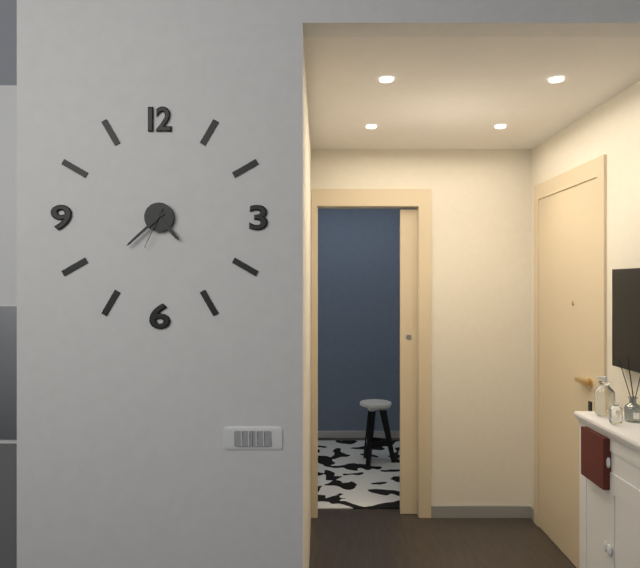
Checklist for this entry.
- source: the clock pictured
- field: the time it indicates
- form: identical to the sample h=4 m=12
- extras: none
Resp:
h=4 m=38
